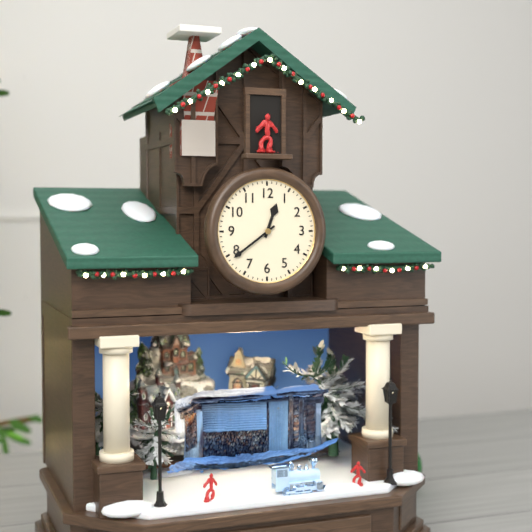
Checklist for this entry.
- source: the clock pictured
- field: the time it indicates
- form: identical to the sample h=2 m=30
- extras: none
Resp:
h=12 m=39
